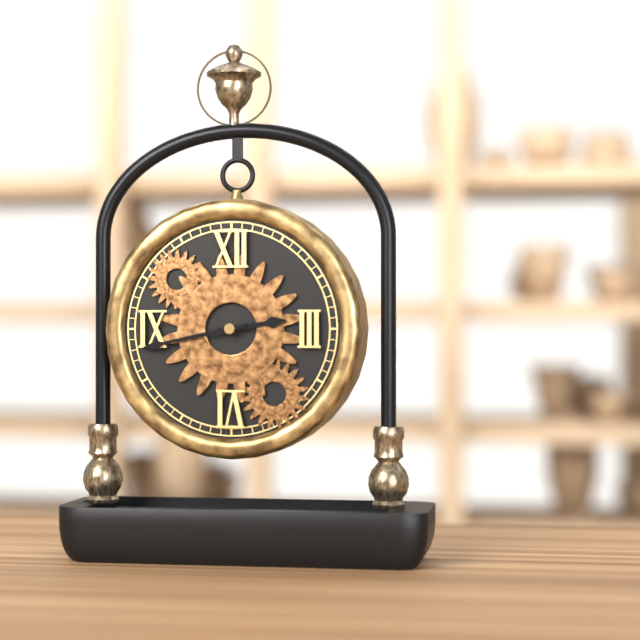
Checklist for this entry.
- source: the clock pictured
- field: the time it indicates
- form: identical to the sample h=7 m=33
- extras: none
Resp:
h=2 m=43
